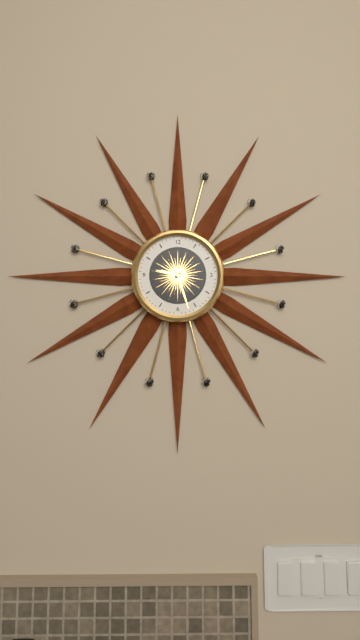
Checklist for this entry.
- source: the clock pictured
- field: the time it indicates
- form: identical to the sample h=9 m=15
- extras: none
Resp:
h=9 m=27
